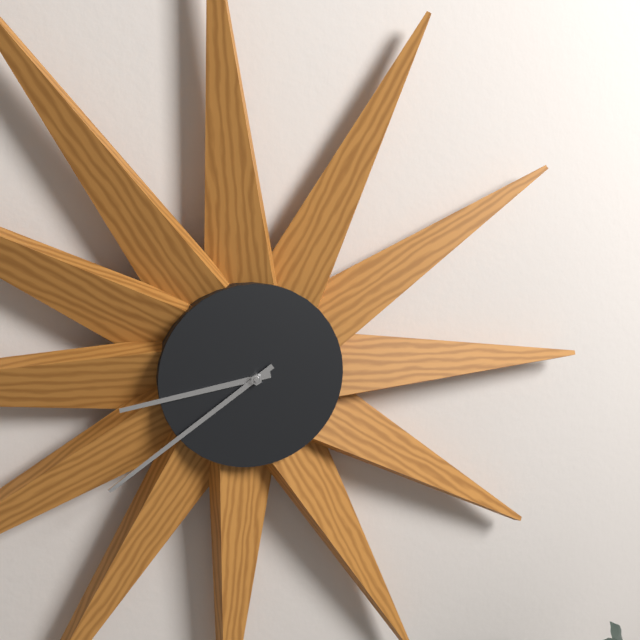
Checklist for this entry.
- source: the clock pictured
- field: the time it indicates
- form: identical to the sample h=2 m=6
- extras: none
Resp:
h=8 m=39
